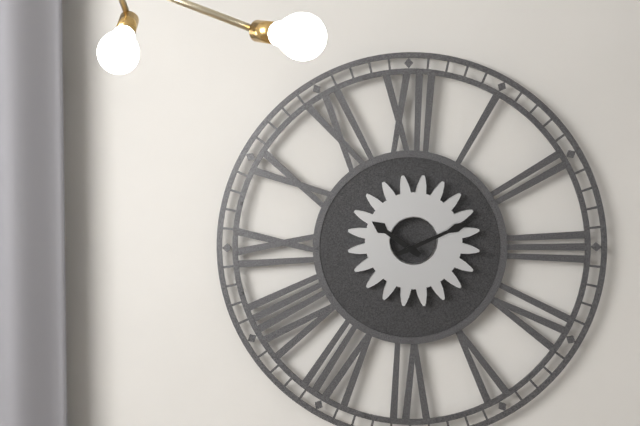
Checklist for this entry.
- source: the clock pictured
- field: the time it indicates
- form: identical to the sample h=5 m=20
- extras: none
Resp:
h=10 m=11
